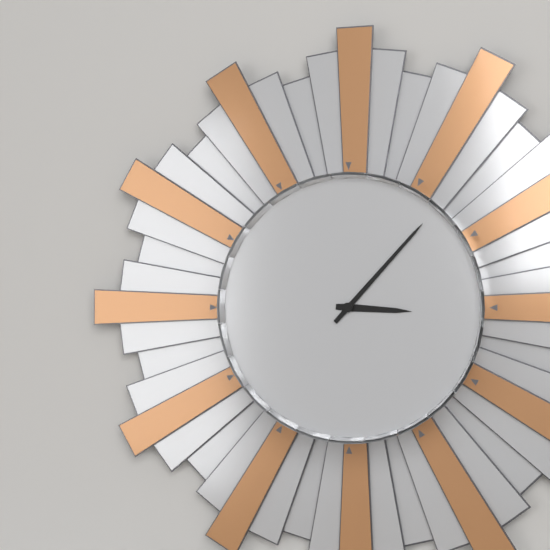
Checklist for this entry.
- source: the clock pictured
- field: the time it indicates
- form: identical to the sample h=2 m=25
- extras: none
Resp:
h=3 m=7
